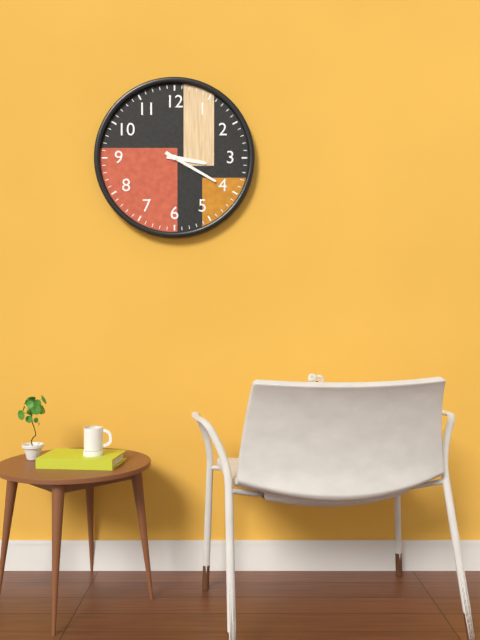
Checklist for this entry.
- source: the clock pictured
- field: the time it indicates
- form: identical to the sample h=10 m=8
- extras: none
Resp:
h=3 m=20
